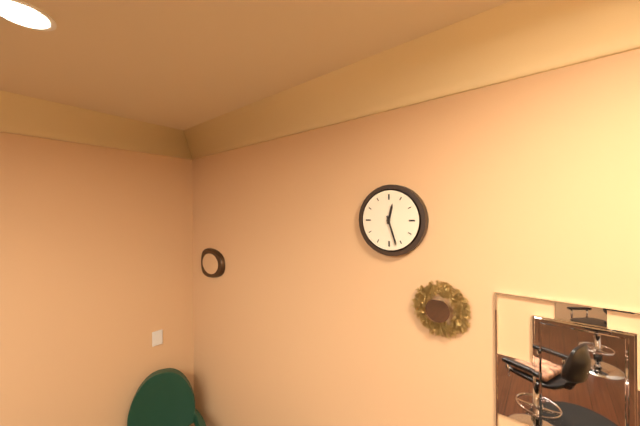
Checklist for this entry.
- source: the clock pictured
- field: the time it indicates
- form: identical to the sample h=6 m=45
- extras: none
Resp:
h=12 m=27
